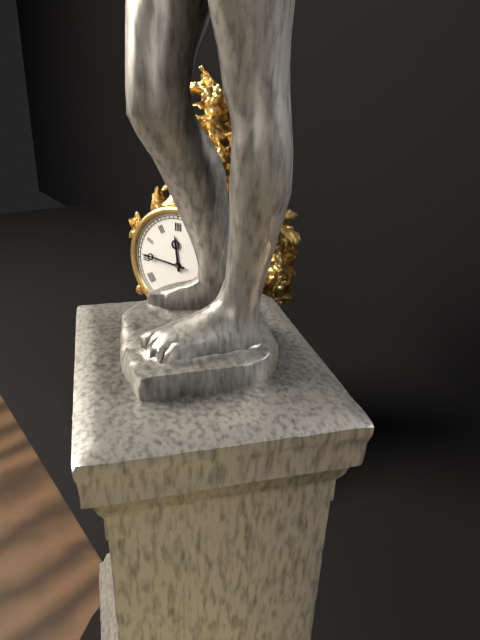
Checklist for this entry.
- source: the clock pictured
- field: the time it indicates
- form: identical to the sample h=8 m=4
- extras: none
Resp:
h=11 m=46
